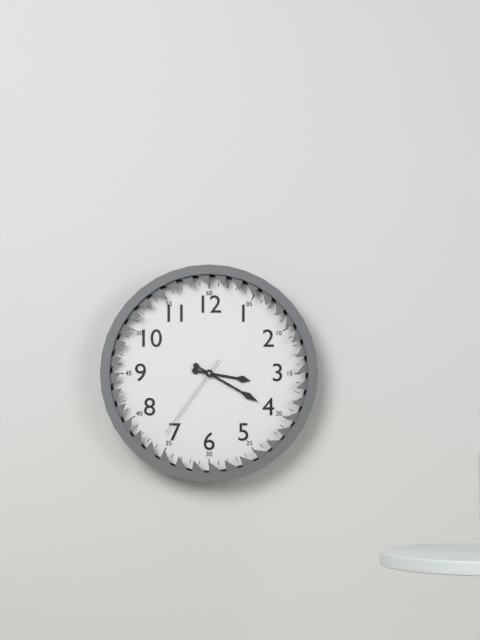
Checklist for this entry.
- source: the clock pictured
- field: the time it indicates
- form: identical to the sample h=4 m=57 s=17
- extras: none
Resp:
h=3 m=20 s=36
